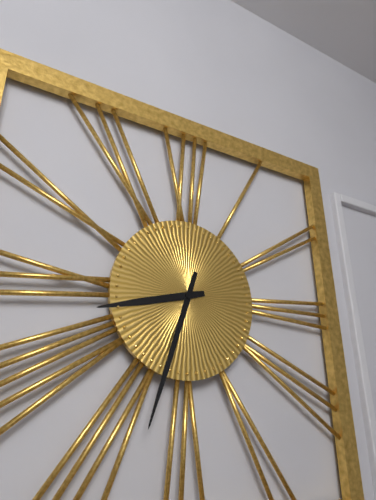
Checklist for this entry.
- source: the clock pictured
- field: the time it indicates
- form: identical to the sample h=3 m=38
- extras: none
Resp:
h=8 m=33
